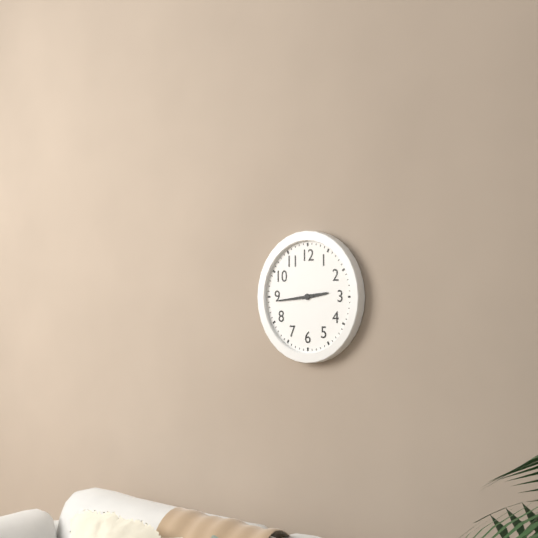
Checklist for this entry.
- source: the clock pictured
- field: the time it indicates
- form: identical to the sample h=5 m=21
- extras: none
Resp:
h=2 m=44
